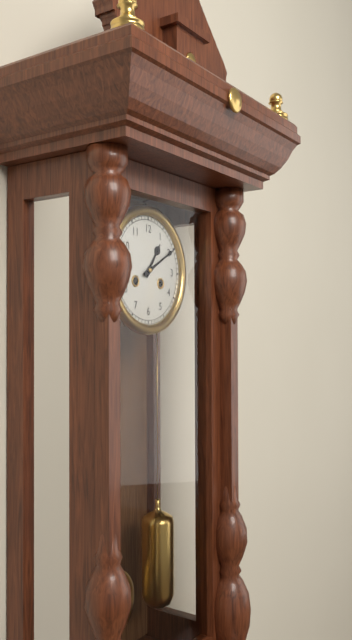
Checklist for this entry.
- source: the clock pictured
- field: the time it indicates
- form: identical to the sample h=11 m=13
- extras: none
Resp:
h=1 m=10
